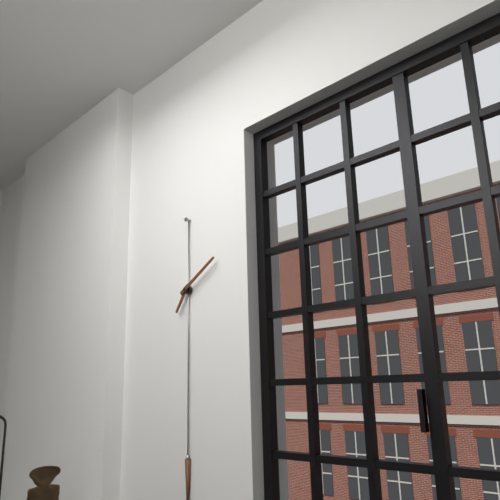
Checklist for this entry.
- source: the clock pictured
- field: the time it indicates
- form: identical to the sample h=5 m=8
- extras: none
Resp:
h=7 m=10
